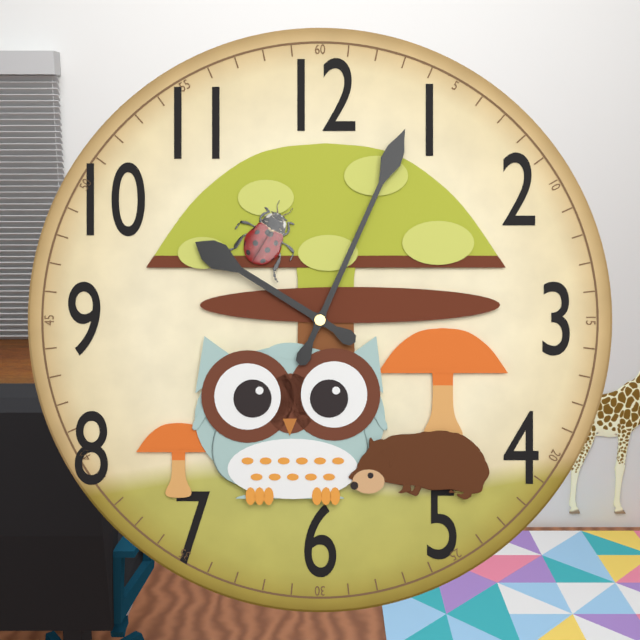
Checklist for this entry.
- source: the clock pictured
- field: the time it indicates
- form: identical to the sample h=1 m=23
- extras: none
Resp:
h=10 m=4
